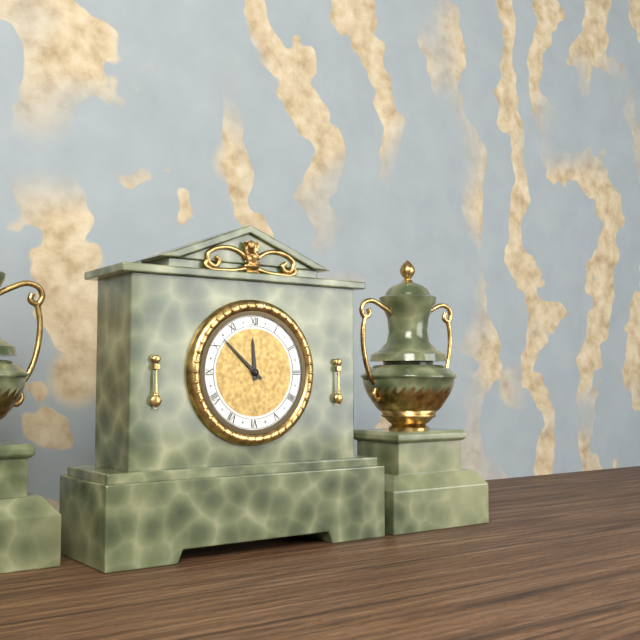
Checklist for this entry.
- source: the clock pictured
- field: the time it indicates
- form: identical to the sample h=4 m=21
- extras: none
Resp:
h=11 m=52
